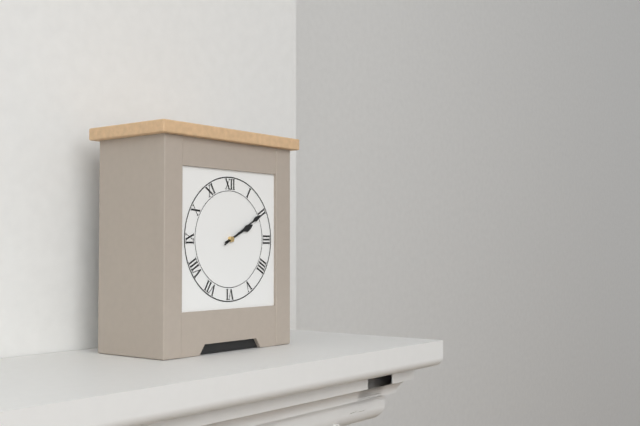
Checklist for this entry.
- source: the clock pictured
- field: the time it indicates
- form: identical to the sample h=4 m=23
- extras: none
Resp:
h=2 m=10
